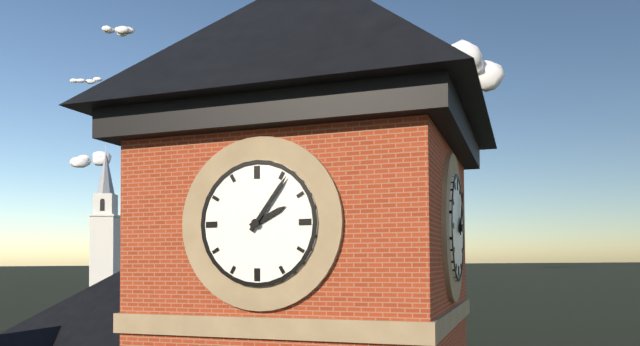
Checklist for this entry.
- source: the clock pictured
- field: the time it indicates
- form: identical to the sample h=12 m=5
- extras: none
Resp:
h=2 m=6
